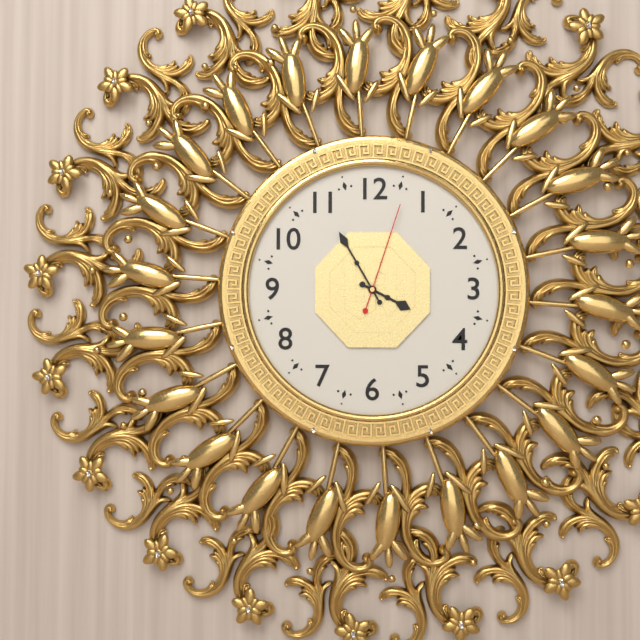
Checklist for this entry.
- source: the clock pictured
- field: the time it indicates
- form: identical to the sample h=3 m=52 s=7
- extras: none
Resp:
h=3 m=55 s=3
